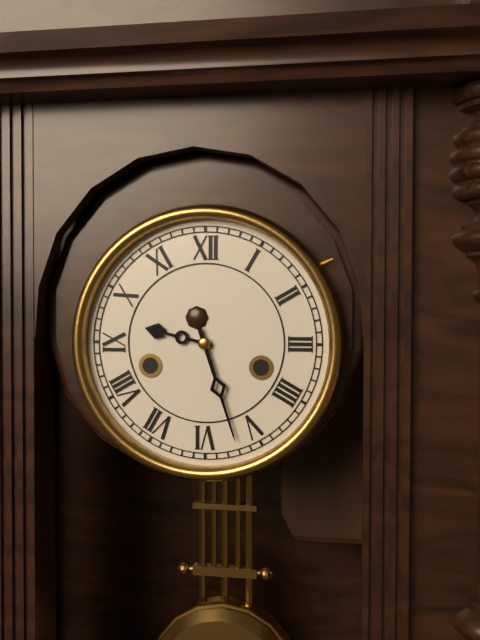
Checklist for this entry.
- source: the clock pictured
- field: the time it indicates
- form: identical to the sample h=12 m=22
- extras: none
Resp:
h=9 m=27
